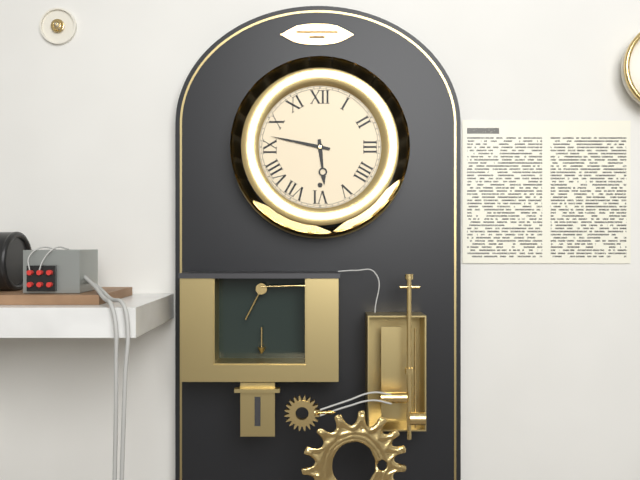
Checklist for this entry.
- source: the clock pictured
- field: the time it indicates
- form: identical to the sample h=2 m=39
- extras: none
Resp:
h=5 m=47
